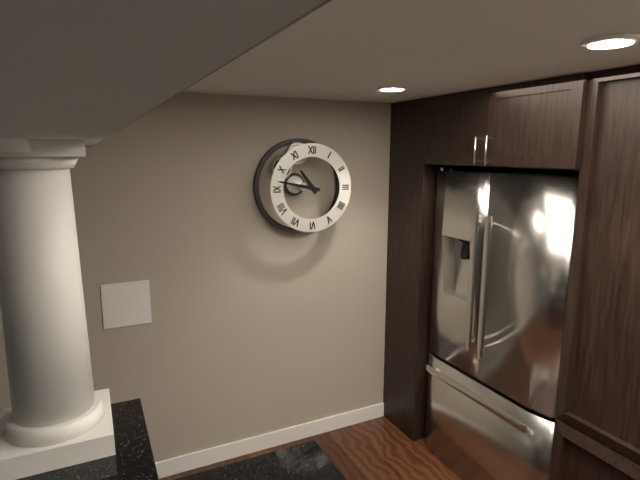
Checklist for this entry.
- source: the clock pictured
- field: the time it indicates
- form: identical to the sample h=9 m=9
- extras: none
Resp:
h=10 m=47
